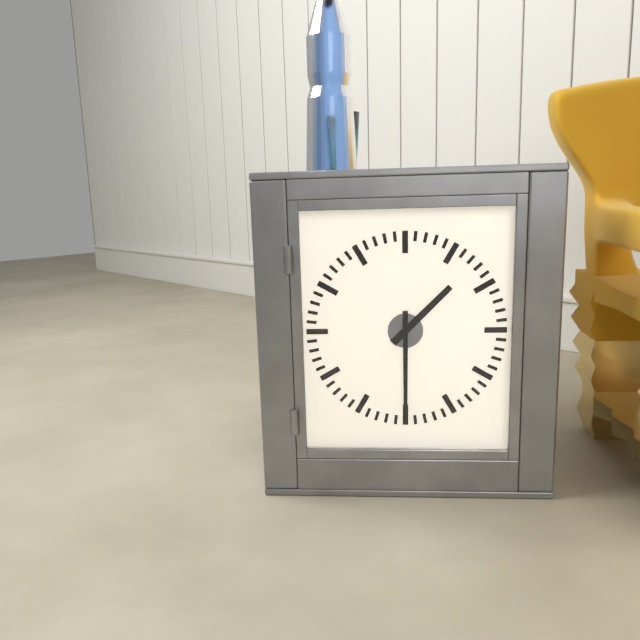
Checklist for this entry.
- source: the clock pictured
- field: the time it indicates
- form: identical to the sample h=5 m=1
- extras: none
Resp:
h=1 m=30
